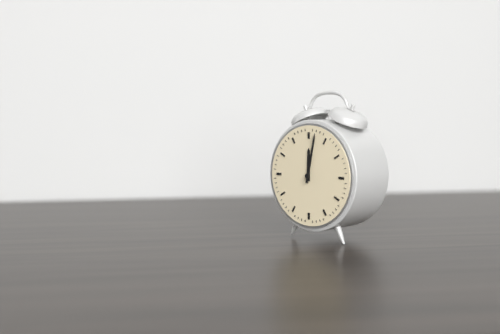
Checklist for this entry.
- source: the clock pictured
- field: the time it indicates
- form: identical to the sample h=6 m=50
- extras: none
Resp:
h=12 m=2
